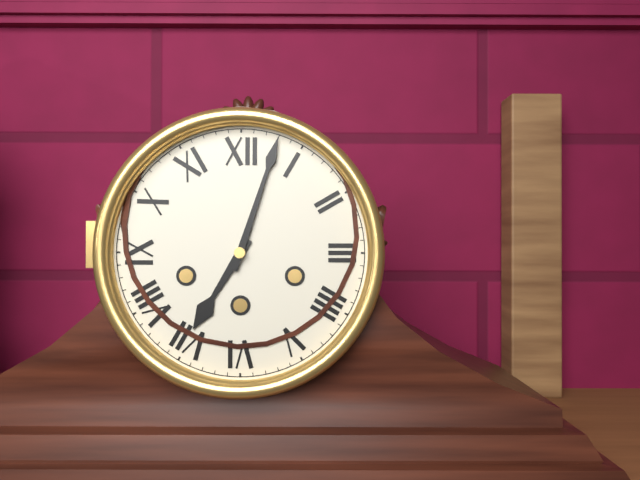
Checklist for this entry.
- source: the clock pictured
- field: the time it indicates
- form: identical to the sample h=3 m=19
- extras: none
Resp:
h=7 m=3
